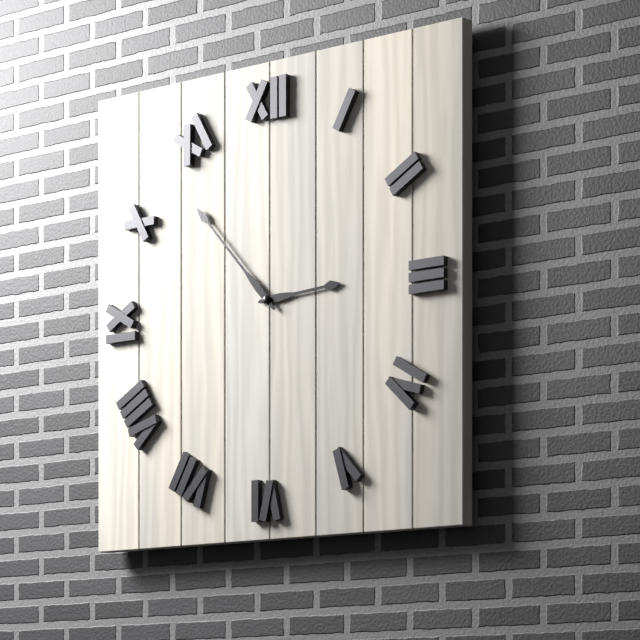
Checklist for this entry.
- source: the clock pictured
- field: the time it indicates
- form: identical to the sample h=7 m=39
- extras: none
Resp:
h=2 m=53
